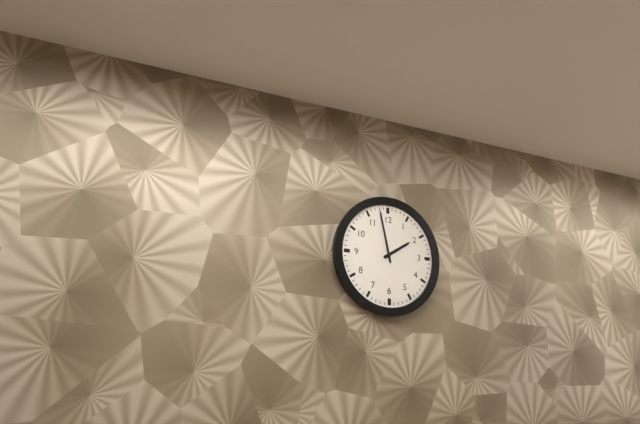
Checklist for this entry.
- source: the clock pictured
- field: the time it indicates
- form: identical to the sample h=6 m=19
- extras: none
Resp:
h=1 m=58
